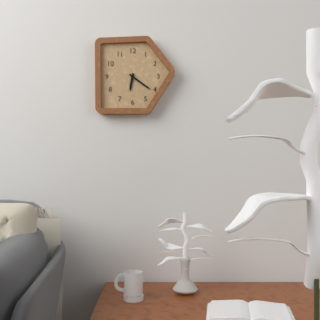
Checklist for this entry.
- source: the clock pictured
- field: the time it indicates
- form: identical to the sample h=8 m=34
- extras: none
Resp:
h=6 m=21
